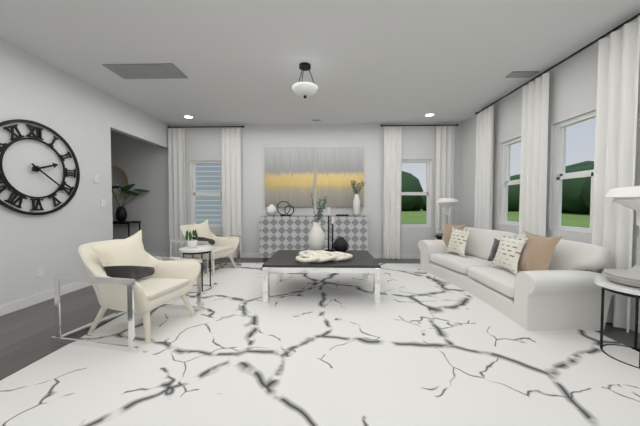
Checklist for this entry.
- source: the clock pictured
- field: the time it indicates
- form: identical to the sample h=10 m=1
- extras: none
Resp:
h=2 m=21
